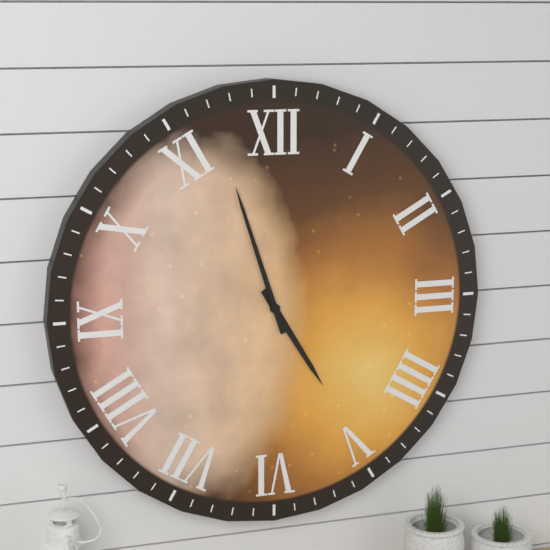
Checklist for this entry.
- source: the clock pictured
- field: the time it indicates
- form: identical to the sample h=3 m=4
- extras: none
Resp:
h=4 m=57
